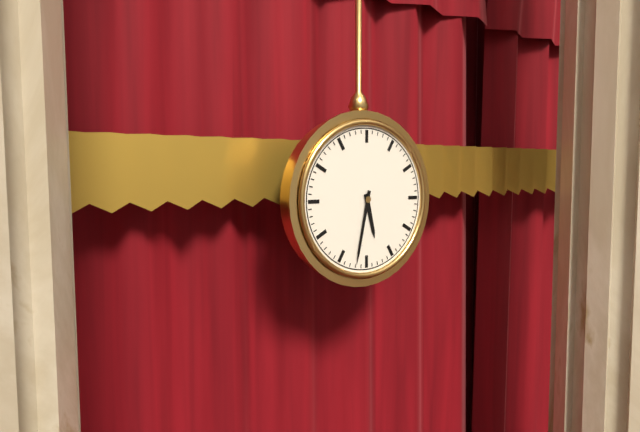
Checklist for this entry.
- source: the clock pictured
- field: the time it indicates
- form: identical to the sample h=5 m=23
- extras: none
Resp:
h=5 m=32
